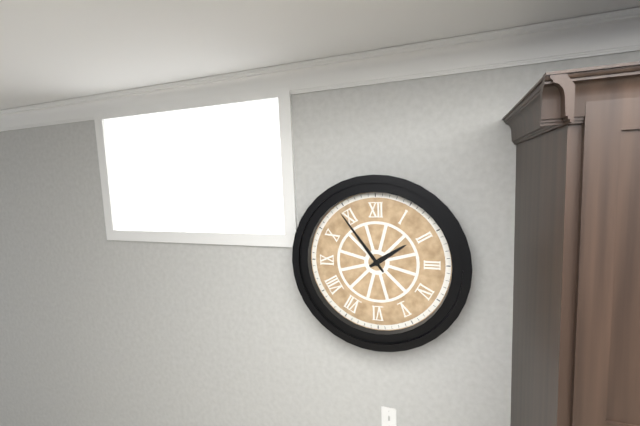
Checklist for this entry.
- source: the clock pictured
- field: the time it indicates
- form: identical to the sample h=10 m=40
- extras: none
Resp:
h=1 m=54
